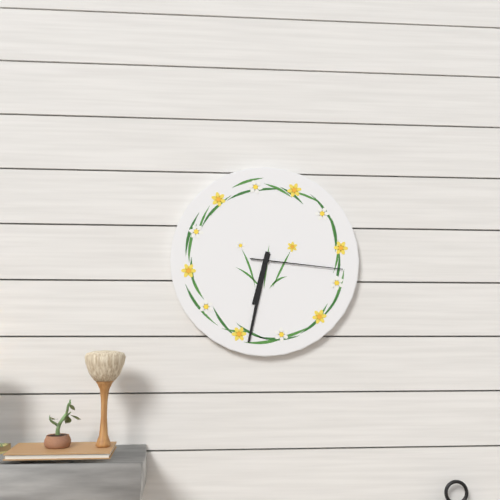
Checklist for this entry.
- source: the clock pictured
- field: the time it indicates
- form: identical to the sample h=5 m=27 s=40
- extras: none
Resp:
h=6 m=32 s=16
